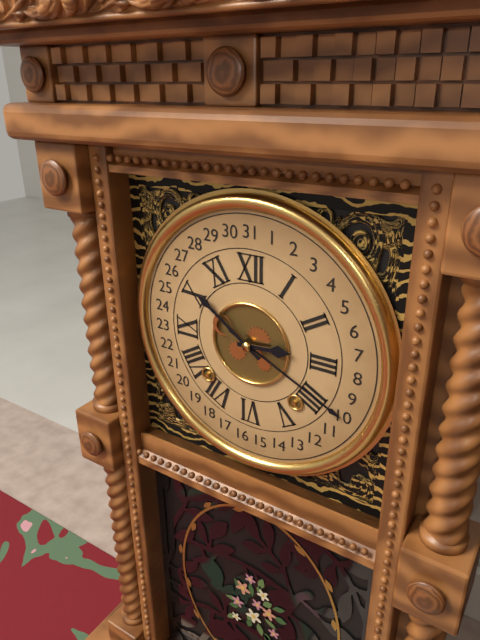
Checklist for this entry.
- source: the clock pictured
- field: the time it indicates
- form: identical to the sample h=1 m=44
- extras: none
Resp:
h=2 m=51
